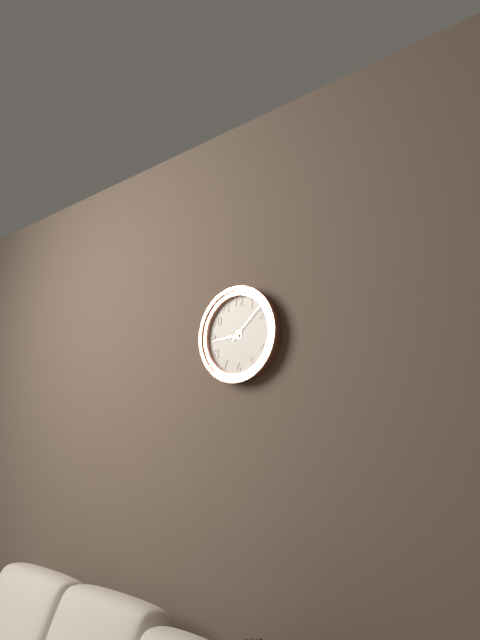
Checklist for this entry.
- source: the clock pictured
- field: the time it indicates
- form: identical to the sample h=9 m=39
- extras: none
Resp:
h=8 m=44
